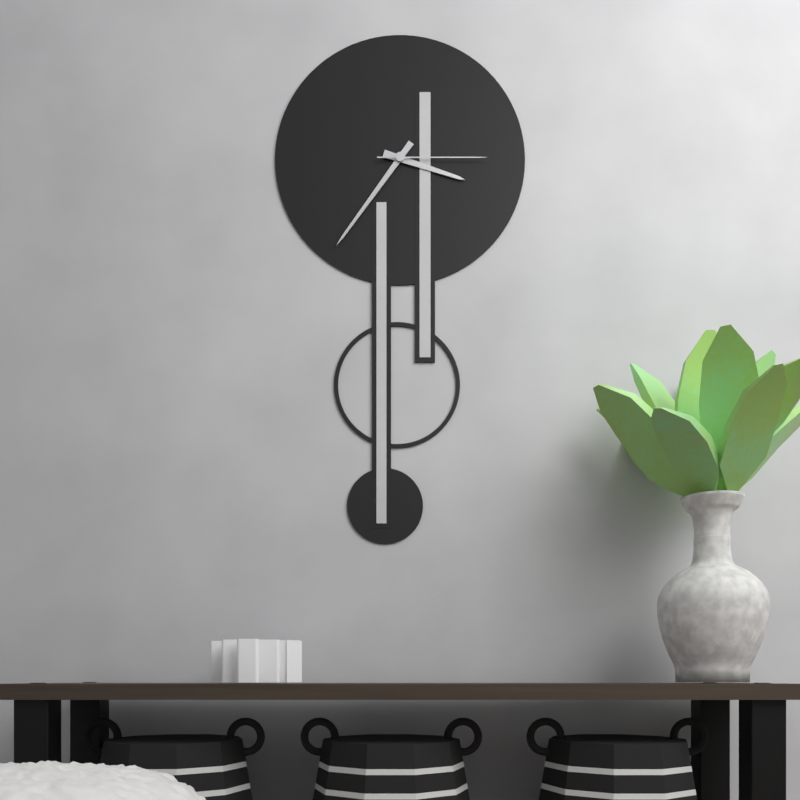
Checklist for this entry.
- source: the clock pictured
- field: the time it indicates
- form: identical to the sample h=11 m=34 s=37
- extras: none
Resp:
h=3 m=36 s=15
